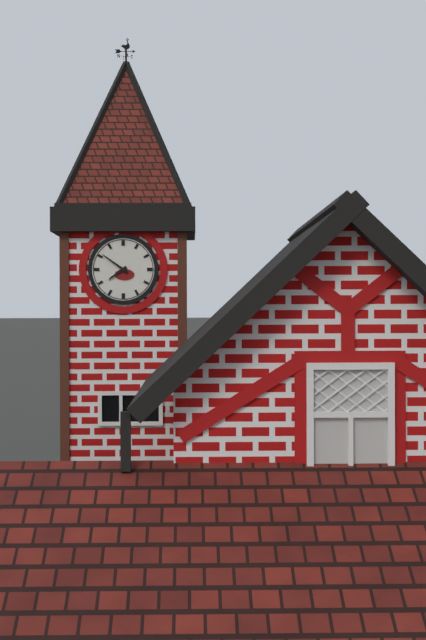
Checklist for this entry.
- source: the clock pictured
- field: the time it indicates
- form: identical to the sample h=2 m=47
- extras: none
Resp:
h=7 m=51
